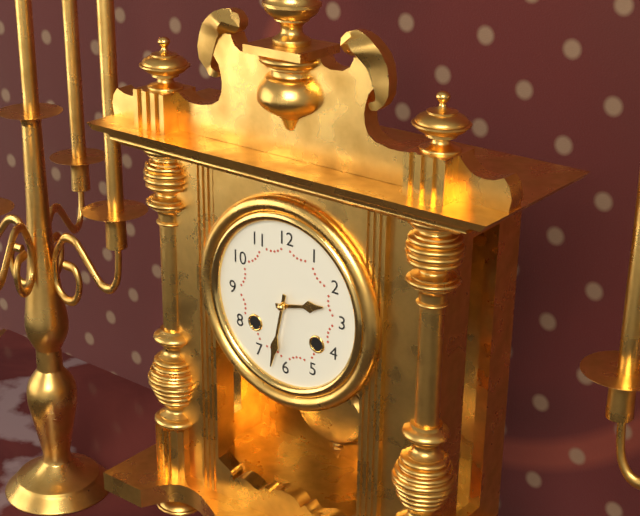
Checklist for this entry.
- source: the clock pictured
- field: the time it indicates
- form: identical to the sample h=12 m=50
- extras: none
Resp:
h=2 m=32
